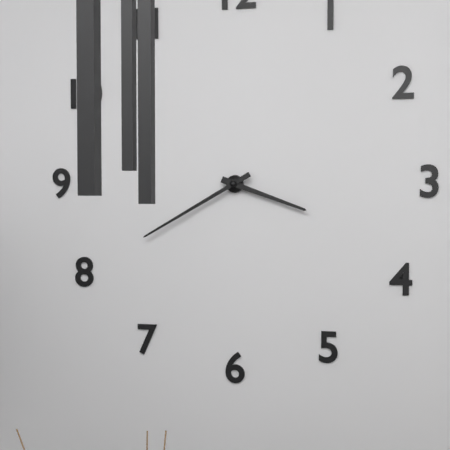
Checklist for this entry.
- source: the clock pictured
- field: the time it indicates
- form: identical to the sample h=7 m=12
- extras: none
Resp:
h=3 m=40
